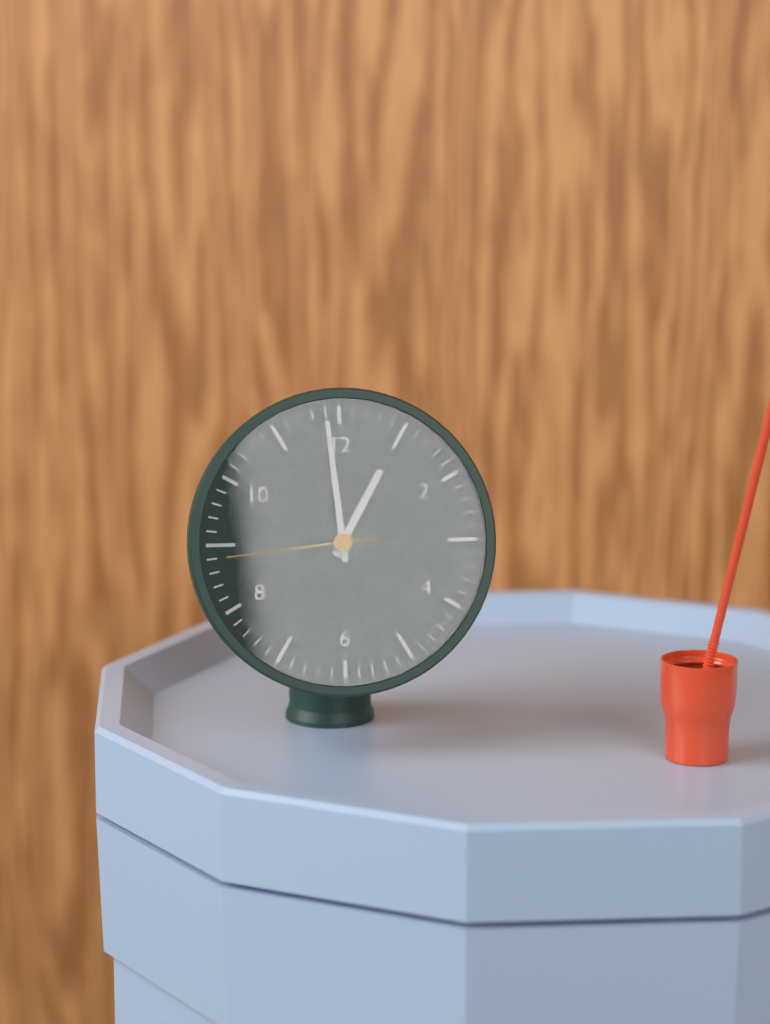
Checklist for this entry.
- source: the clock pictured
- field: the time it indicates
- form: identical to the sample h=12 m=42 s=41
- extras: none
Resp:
h=12 m=59 s=44
